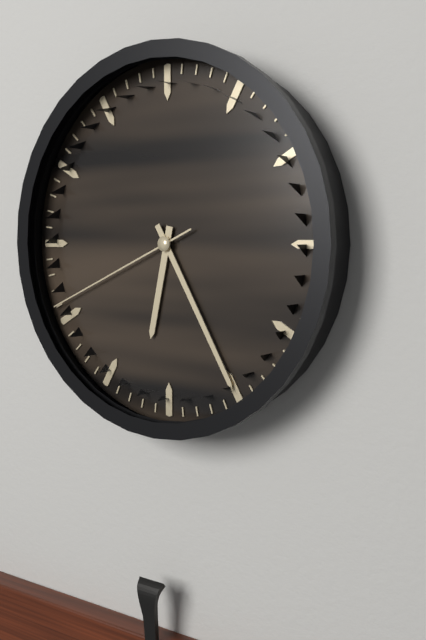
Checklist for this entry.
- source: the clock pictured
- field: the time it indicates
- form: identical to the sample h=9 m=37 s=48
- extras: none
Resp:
h=6 m=25 s=41
